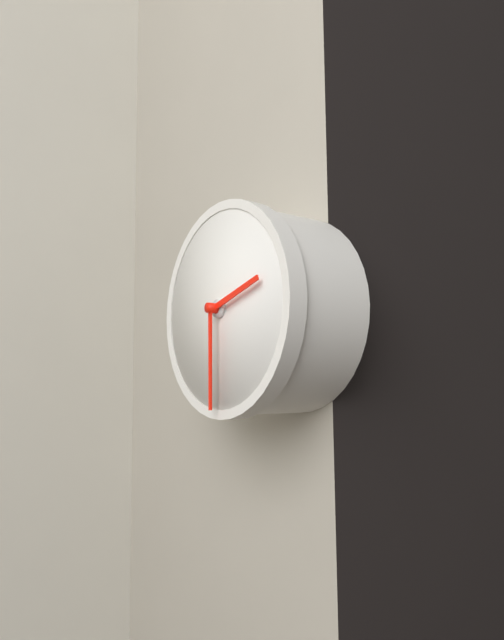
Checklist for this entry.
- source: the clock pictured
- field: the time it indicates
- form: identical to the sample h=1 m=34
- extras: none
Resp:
h=2 m=30
